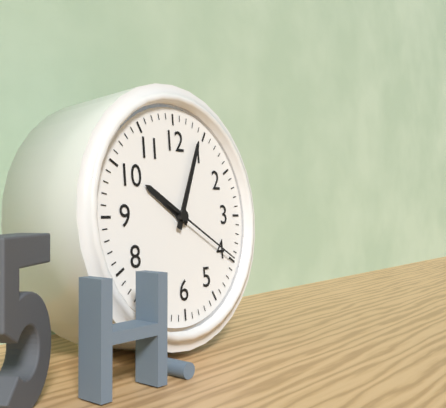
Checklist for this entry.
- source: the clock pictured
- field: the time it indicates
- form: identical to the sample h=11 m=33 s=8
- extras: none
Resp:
h=10 m=4 s=20
